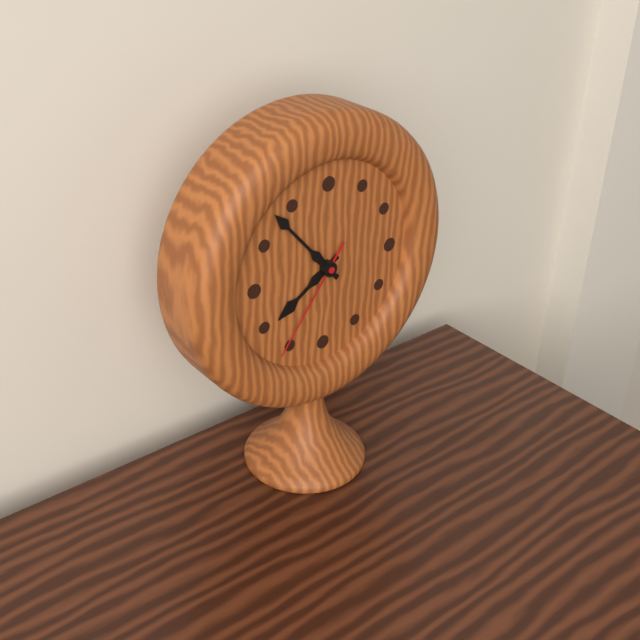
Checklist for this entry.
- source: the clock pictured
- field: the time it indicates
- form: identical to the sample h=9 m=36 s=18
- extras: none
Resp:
h=7 m=53 s=36
